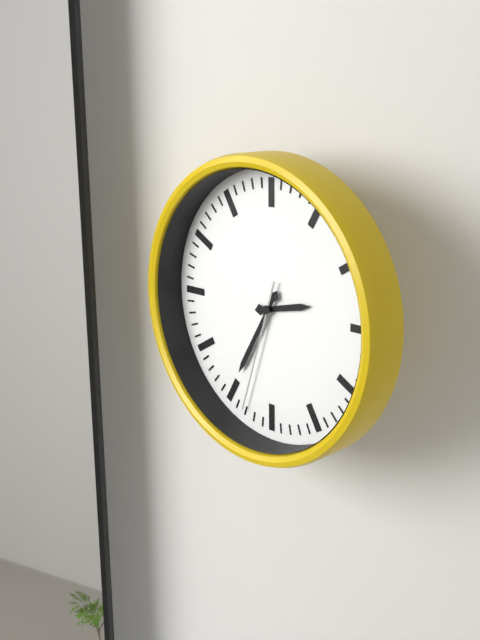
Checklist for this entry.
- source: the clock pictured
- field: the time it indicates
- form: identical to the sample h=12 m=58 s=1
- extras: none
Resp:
h=2 m=35 s=33
